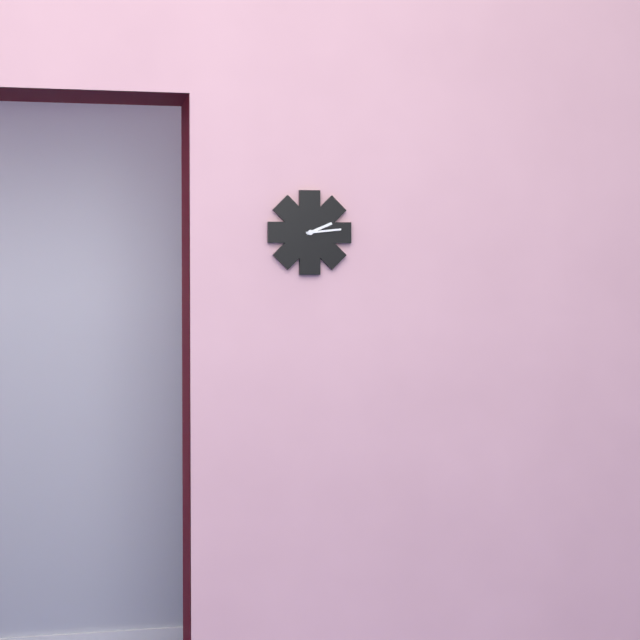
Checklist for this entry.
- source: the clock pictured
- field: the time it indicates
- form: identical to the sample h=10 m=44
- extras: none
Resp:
h=2 m=14
